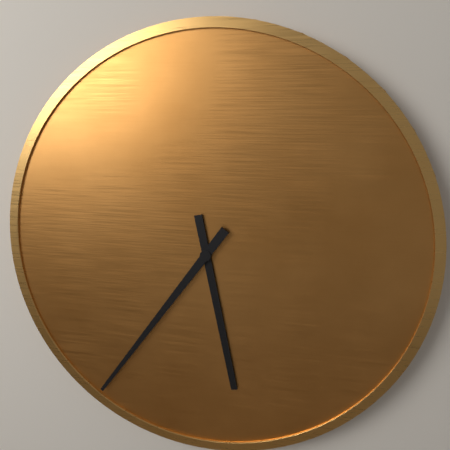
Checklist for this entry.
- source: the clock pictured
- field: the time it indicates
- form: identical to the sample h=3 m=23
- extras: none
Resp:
h=5 m=36
